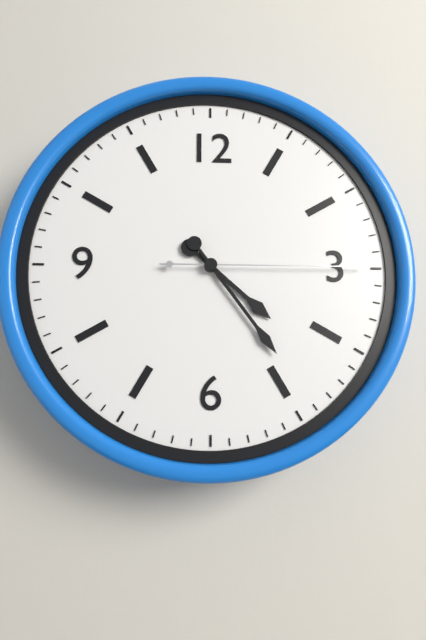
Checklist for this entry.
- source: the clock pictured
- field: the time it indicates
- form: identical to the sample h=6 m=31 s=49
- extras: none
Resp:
h=4 m=24 s=15
